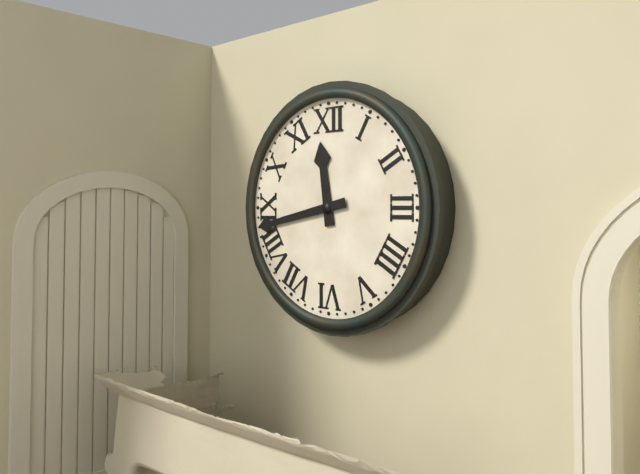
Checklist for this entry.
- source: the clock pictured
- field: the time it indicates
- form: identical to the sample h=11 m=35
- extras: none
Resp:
h=11 m=43
